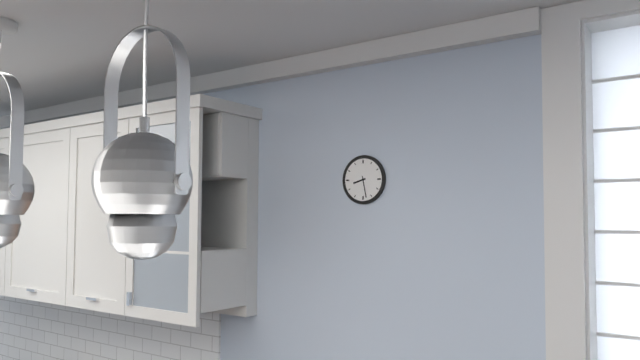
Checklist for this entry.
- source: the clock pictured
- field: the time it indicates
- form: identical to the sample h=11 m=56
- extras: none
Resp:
h=8 m=28
